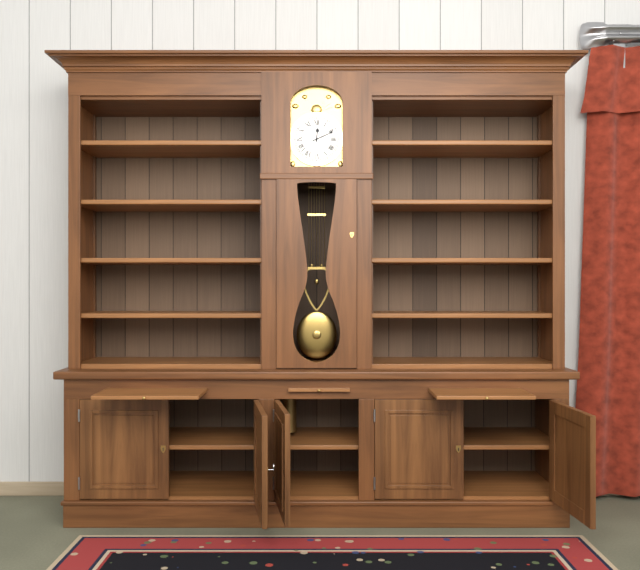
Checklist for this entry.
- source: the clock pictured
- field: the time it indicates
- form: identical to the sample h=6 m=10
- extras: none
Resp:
h=12 m=11
